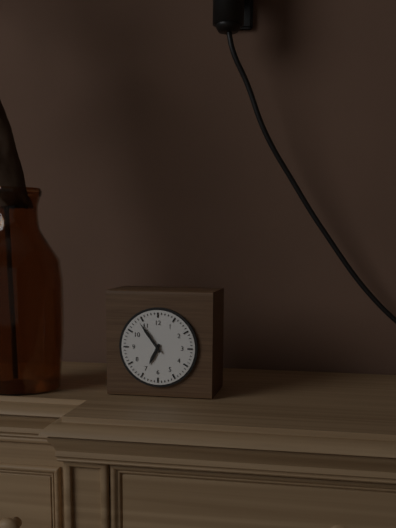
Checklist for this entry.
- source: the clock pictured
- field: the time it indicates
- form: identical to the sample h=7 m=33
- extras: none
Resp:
h=6 m=54
